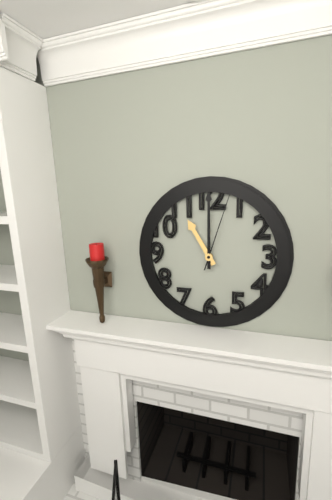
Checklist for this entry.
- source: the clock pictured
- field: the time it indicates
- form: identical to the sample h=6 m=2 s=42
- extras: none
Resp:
h=11 m=0 s=3
